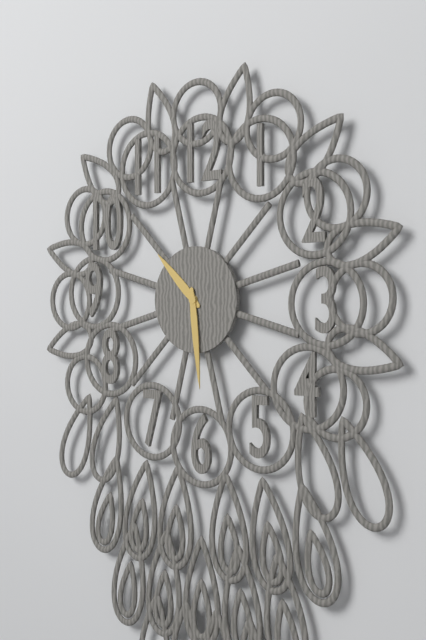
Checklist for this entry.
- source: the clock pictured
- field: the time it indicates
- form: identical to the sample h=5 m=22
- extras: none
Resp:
h=10 m=29
